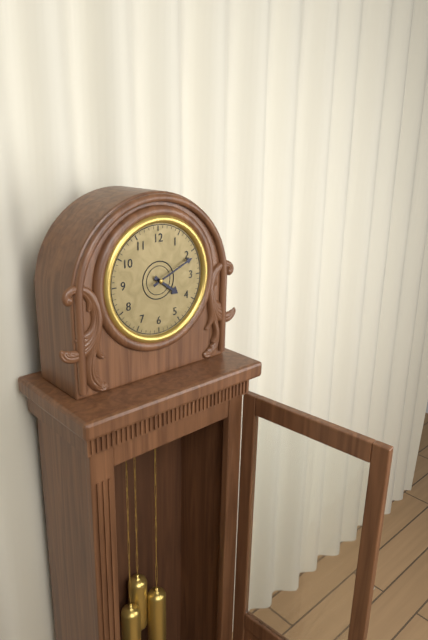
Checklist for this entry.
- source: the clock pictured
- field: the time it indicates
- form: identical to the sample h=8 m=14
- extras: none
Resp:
h=4 m=11
